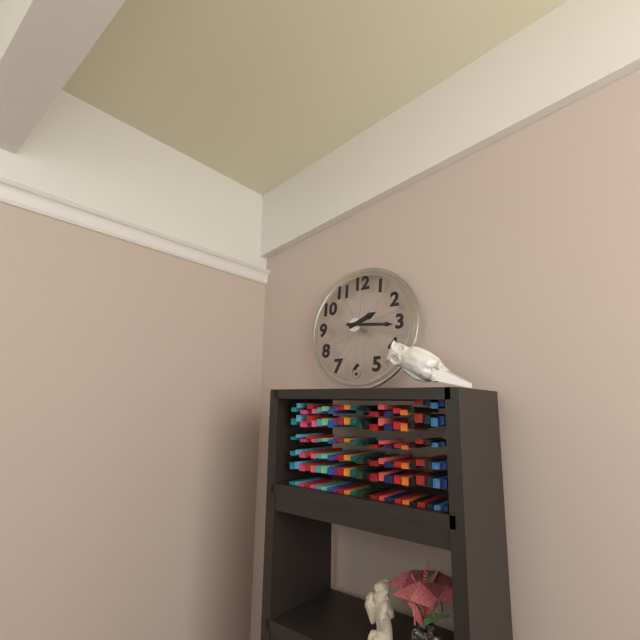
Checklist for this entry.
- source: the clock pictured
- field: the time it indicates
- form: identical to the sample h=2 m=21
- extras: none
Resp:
h=2 m=16
